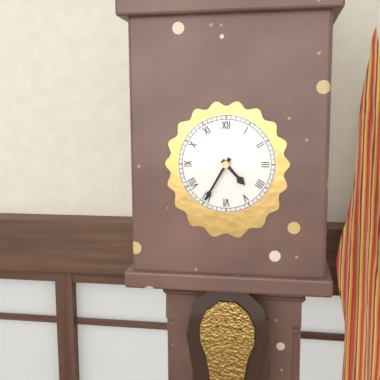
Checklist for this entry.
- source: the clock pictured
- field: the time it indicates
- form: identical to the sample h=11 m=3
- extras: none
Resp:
h=4 m=35
